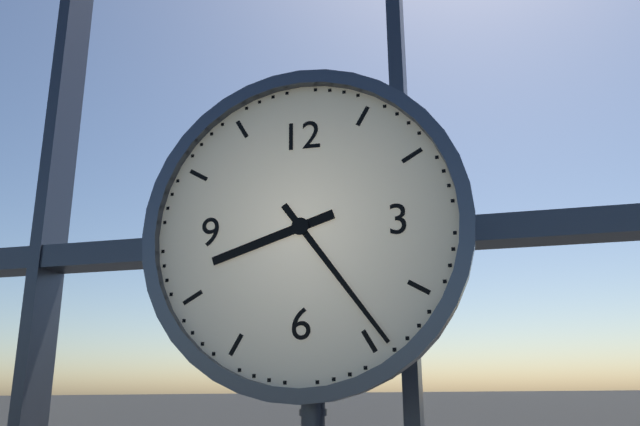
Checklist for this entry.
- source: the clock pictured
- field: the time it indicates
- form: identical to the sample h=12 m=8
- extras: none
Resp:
h=8 m=24
